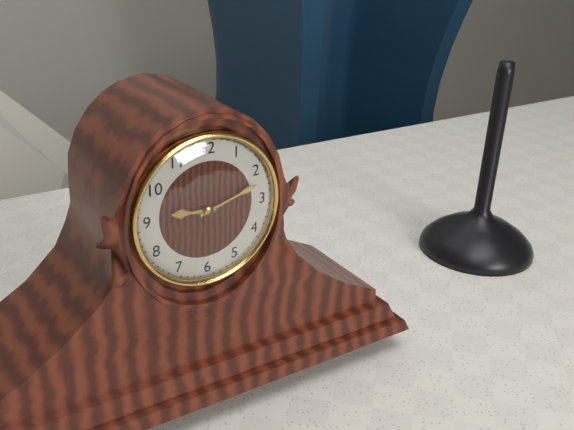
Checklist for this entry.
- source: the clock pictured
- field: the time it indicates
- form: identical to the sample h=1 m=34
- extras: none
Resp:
h=9 m=12
